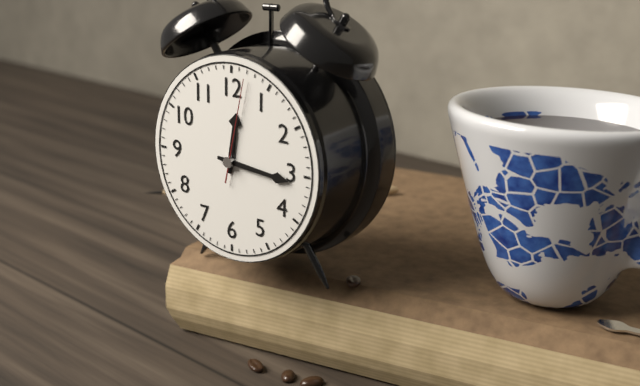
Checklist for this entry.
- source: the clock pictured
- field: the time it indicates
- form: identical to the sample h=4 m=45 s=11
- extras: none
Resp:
h=12 m=16 s=2
